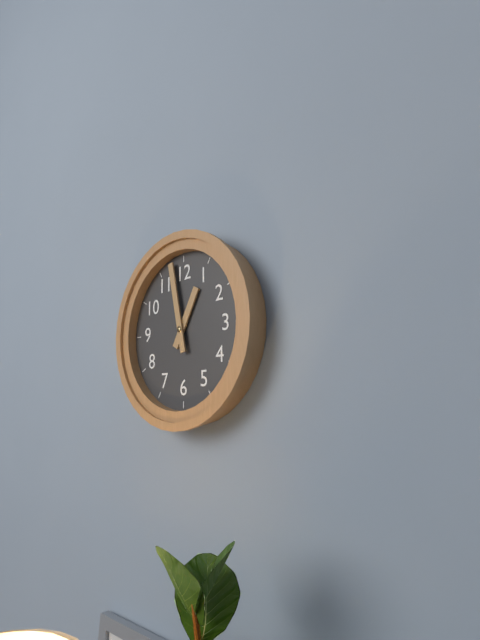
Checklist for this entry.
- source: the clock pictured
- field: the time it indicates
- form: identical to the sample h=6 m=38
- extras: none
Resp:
h=12 m=58
